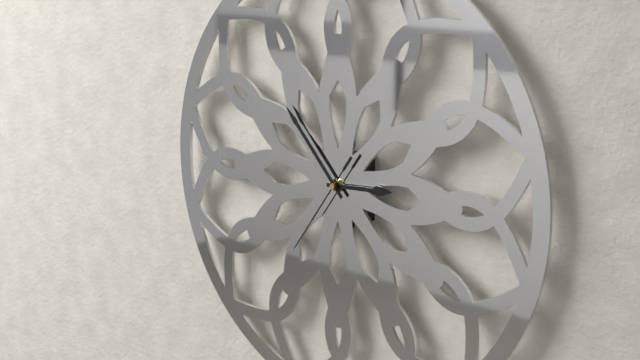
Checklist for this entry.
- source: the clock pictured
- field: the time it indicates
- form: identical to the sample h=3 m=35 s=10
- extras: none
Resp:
h=2 m=53 s=36
